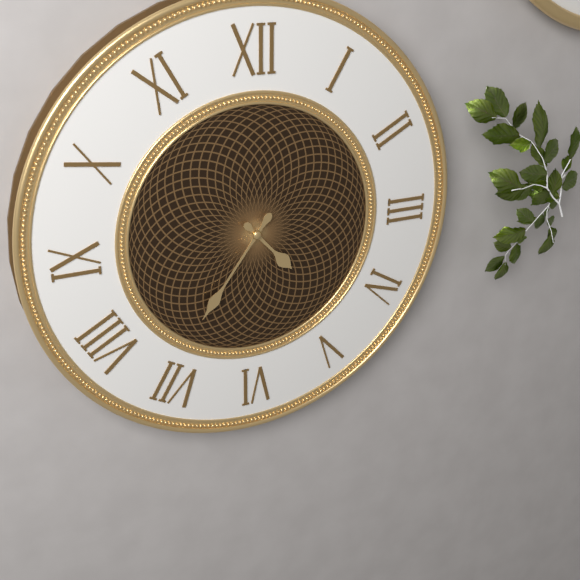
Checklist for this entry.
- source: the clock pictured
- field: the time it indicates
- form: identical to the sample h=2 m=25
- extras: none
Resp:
h=4 m=36
